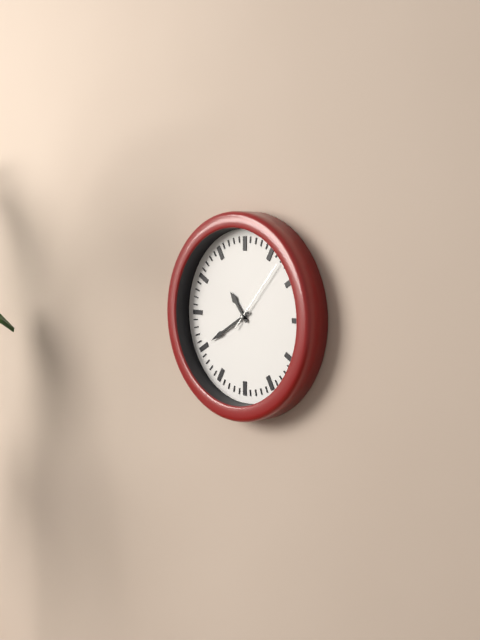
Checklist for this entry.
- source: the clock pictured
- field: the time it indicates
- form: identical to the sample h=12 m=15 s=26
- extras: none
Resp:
h=10 m=40 s=7
